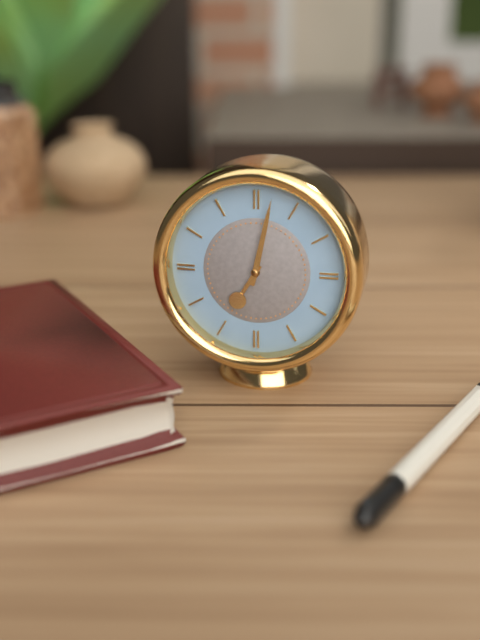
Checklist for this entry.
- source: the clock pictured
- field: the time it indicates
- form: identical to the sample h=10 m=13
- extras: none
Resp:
h=7 m=2
